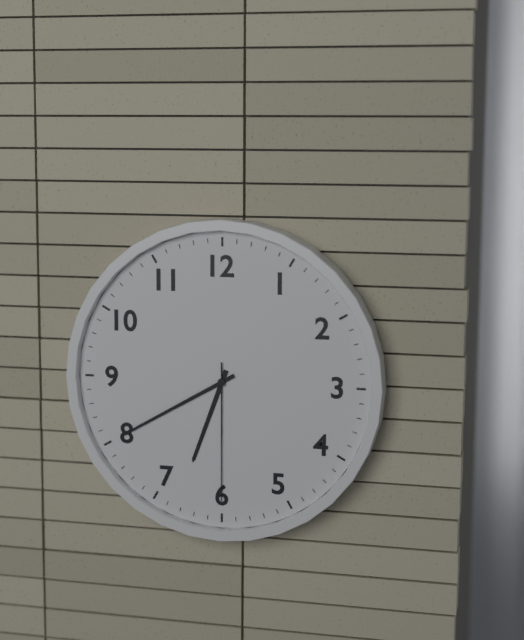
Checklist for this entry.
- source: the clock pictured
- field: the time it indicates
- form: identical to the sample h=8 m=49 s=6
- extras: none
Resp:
h=6 m=40 s=30
